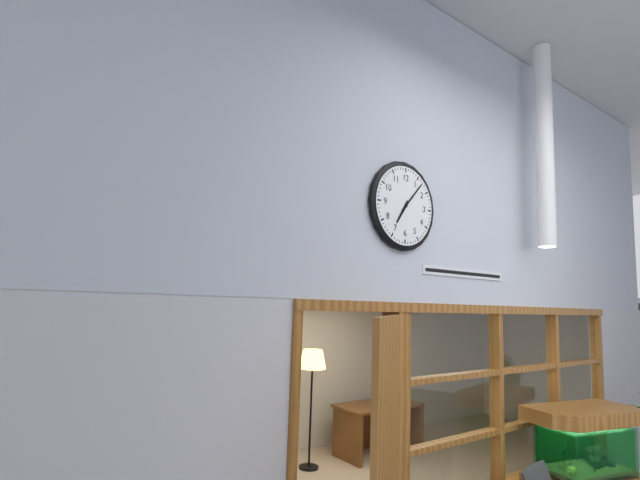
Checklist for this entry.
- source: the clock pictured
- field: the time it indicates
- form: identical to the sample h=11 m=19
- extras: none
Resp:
h=7 m=7
